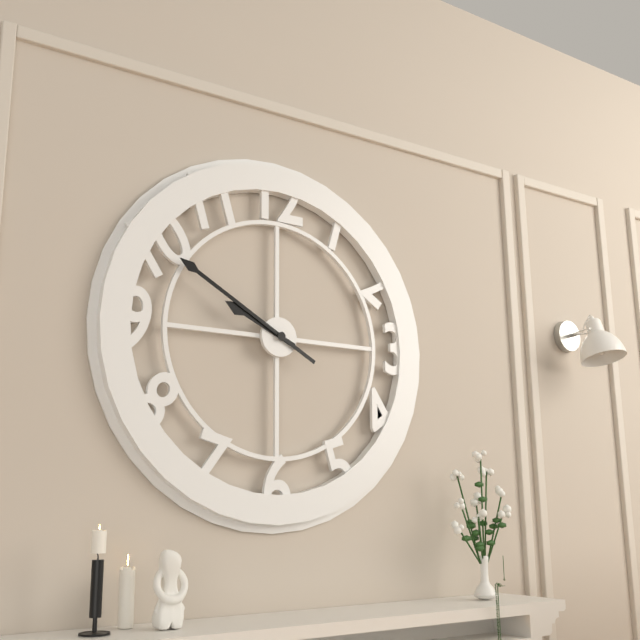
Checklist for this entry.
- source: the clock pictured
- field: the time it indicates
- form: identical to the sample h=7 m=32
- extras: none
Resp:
h=9 m=50
